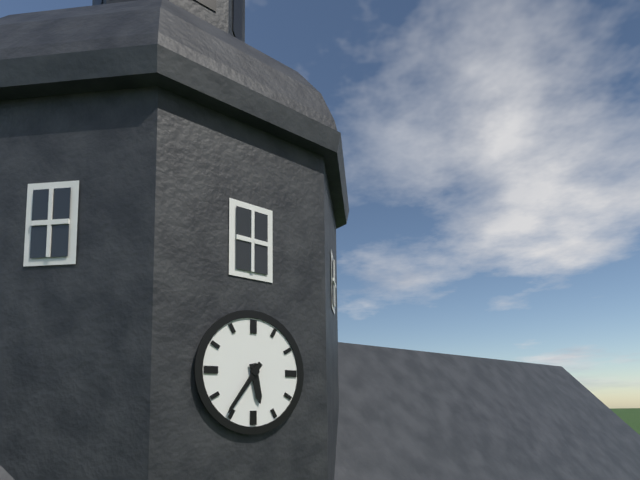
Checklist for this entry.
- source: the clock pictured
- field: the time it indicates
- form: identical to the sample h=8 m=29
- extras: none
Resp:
h=5 m=36
